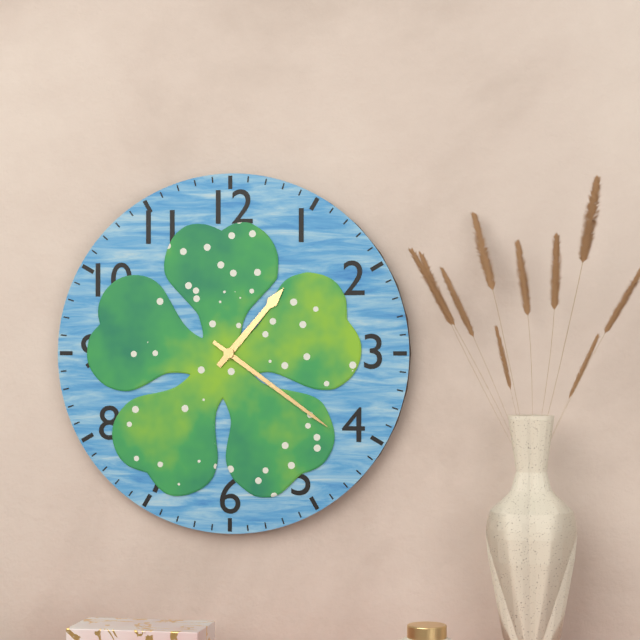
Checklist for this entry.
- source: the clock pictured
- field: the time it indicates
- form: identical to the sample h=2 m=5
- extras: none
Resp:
h=1 m=21
